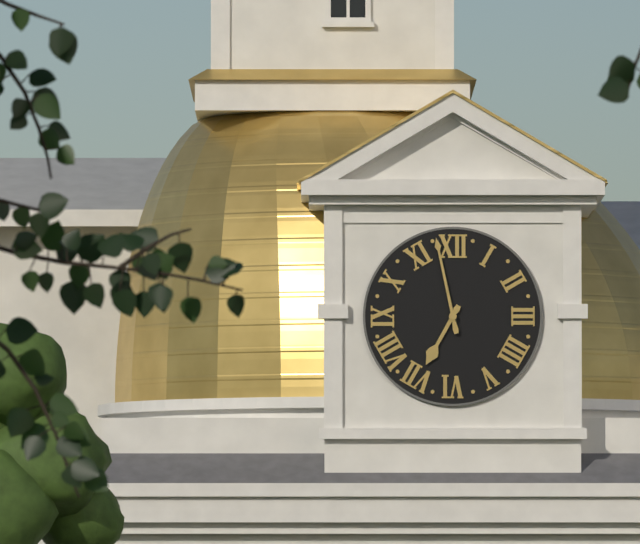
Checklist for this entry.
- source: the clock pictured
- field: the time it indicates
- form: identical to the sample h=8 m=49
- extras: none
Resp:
h=6 m=58
